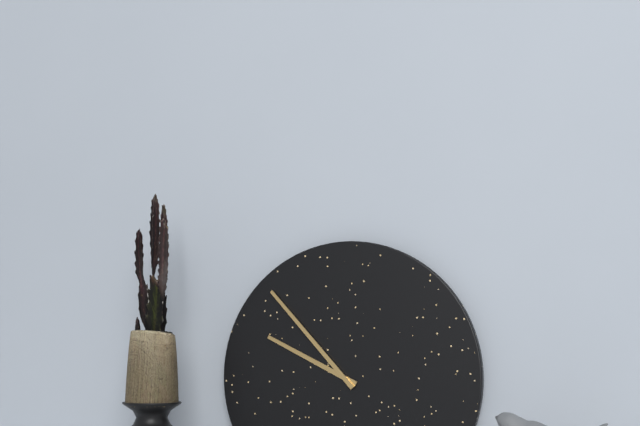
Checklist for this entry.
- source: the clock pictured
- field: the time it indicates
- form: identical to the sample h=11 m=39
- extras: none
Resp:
h=9 m=53
